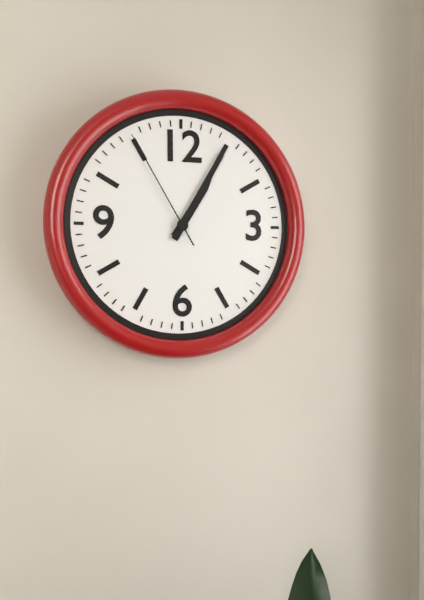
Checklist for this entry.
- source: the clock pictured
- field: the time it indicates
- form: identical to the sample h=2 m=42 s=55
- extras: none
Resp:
h=1 m=5 s=55
